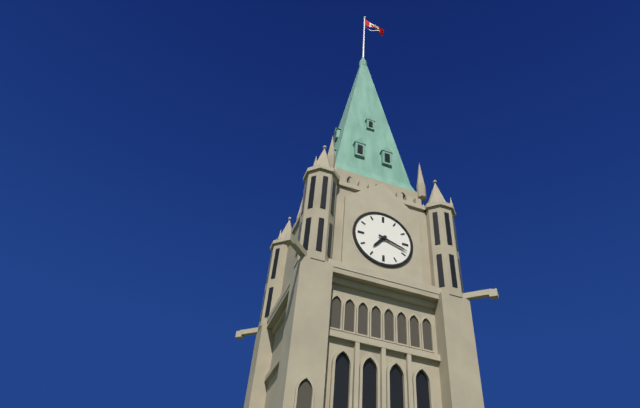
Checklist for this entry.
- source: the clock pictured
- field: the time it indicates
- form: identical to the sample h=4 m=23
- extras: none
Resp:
h=7 m=18
